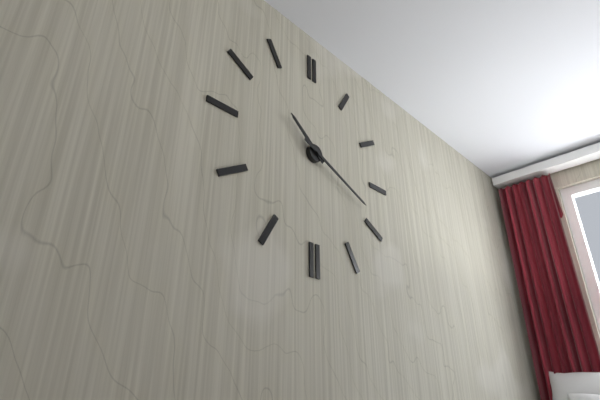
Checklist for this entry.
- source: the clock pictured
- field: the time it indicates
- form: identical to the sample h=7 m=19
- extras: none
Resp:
h=10 m=19
